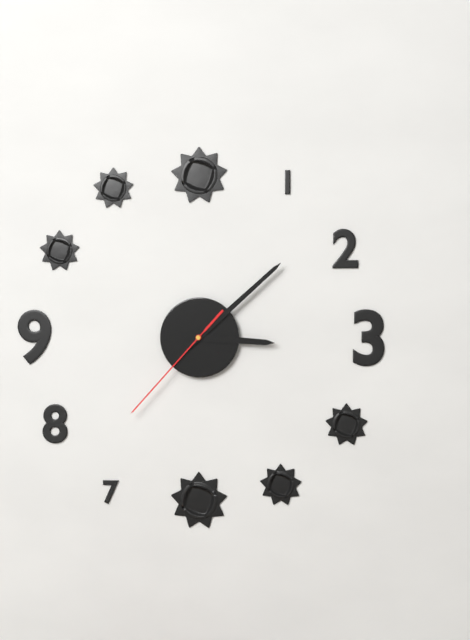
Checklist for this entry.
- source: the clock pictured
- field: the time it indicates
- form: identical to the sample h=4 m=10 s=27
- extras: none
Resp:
h=3 m=8 s=37
